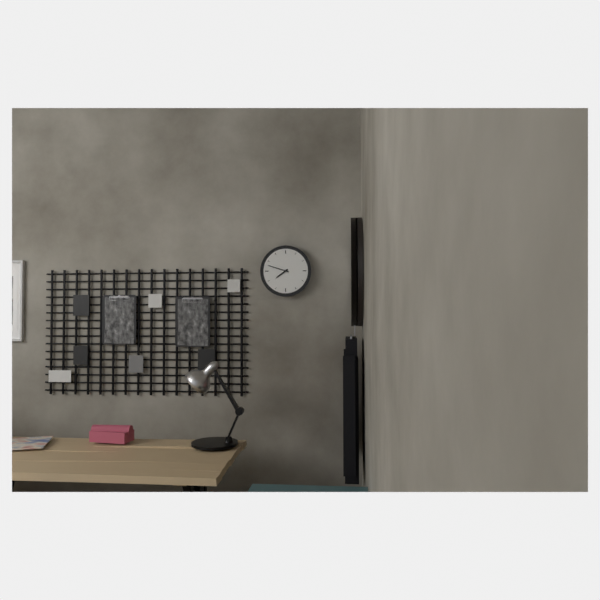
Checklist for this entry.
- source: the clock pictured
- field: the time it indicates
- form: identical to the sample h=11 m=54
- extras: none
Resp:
h=7 m=48
